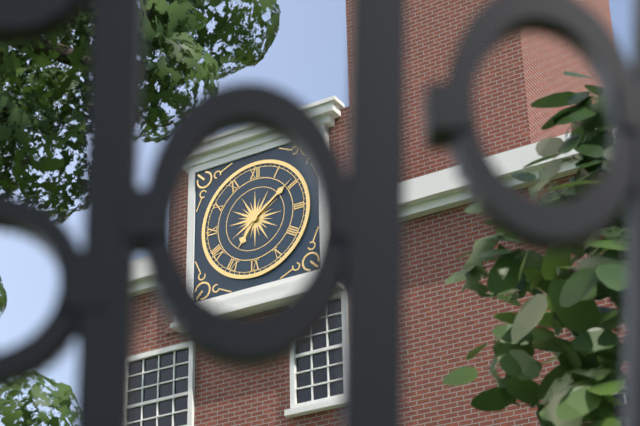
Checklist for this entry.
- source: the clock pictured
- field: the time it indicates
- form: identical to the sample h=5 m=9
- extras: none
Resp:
h=7 m=9
